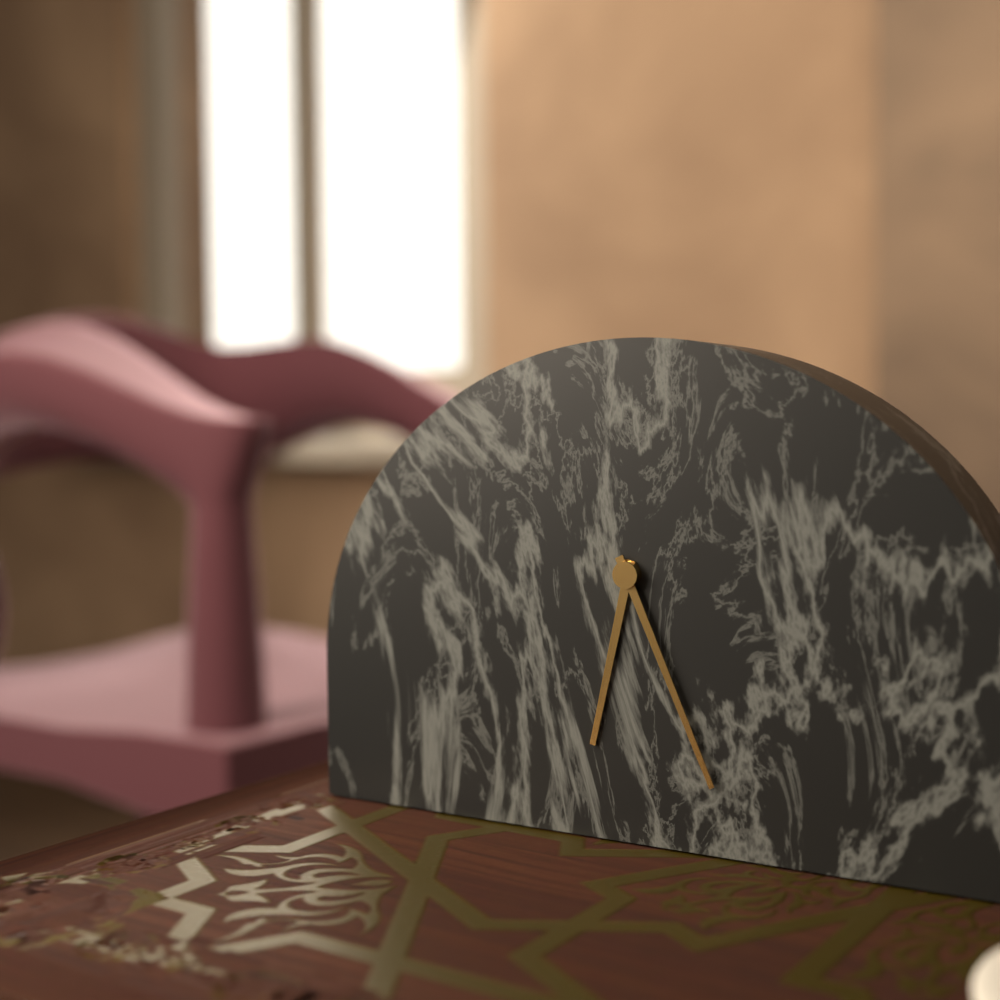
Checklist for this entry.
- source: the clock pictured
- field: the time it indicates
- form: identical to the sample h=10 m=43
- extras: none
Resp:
h=6 m=26
